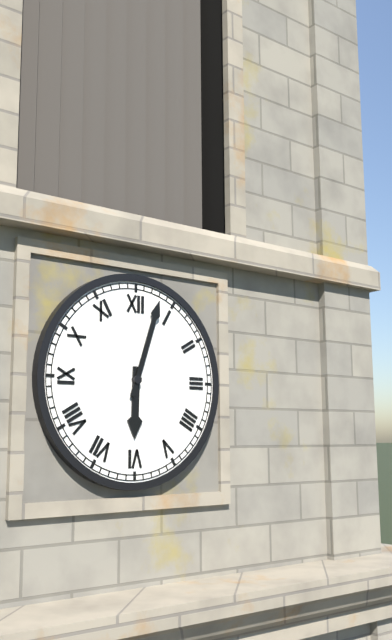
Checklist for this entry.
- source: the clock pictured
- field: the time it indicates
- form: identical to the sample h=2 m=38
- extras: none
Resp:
h=6 m=3
